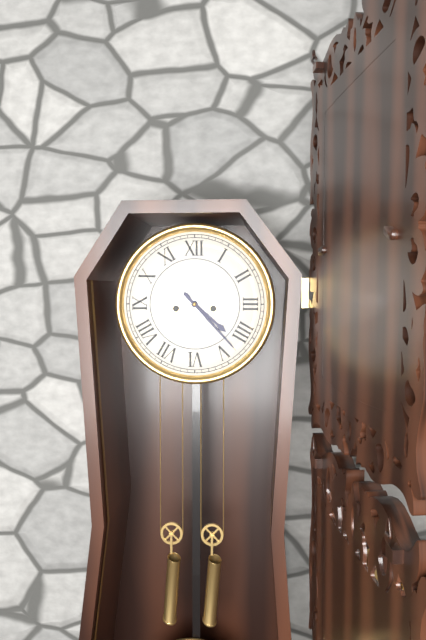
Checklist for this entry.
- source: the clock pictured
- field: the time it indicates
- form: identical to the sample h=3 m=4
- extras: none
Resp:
h=4 m=23
